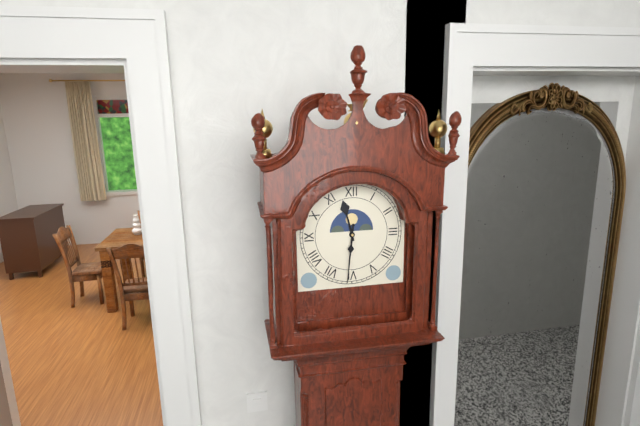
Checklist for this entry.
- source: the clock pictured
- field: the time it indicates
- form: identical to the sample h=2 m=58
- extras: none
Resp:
h=11 m=31
